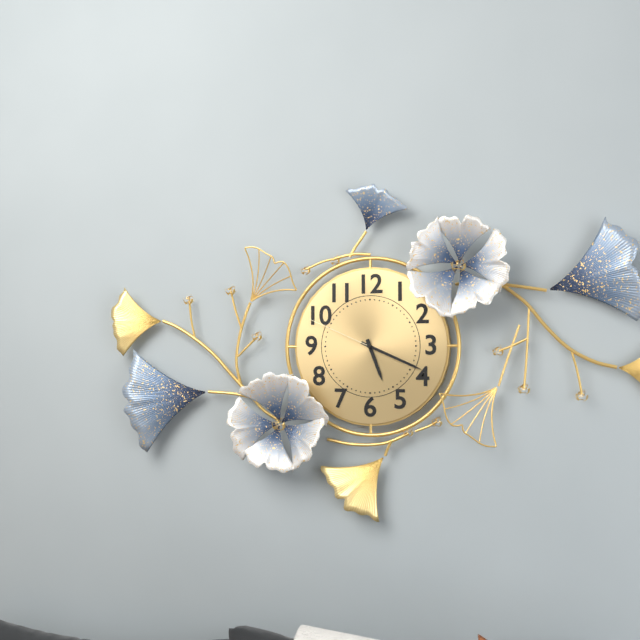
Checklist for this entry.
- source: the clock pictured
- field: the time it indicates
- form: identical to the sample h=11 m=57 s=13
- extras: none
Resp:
h=5 m=19 s=49
